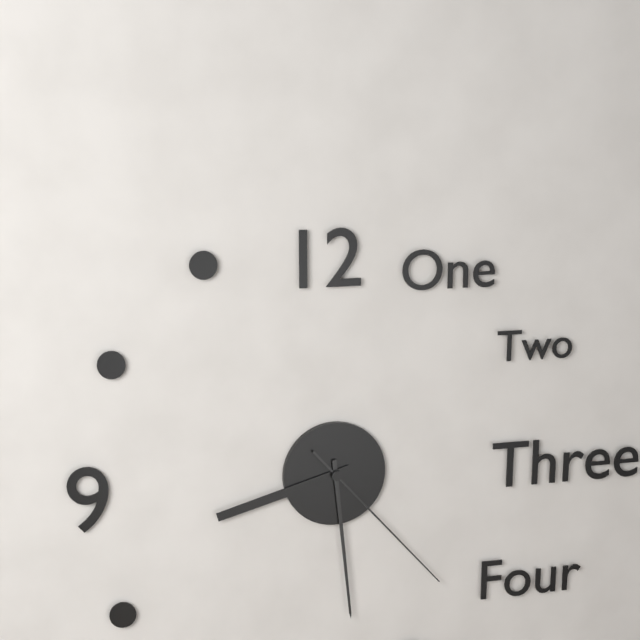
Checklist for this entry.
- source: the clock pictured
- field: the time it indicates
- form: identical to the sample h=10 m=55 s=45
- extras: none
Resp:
h=8 m=29 s=23
